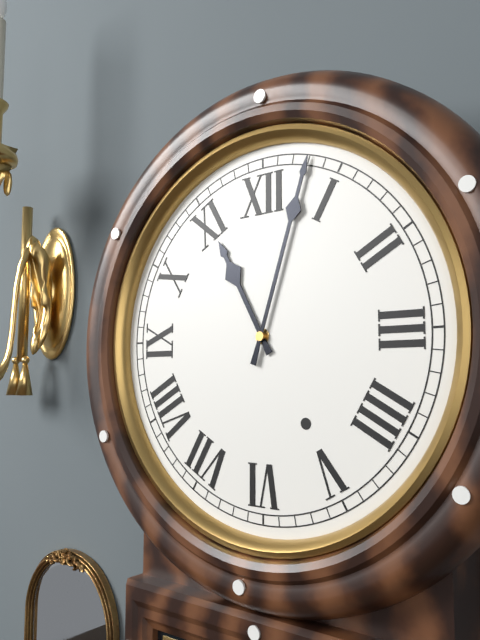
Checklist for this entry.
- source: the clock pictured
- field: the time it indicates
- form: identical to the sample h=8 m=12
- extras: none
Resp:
h=11 m=3
